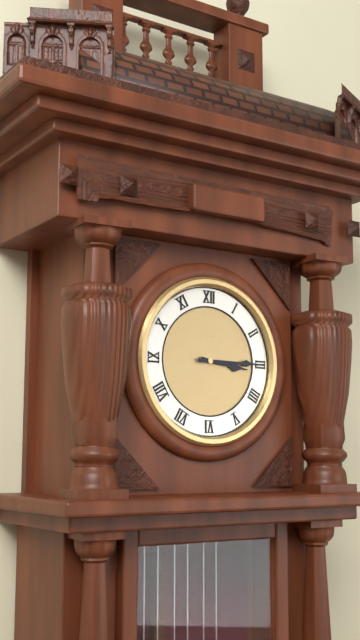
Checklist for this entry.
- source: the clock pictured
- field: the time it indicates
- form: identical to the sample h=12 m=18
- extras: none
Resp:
h=3 m=15
